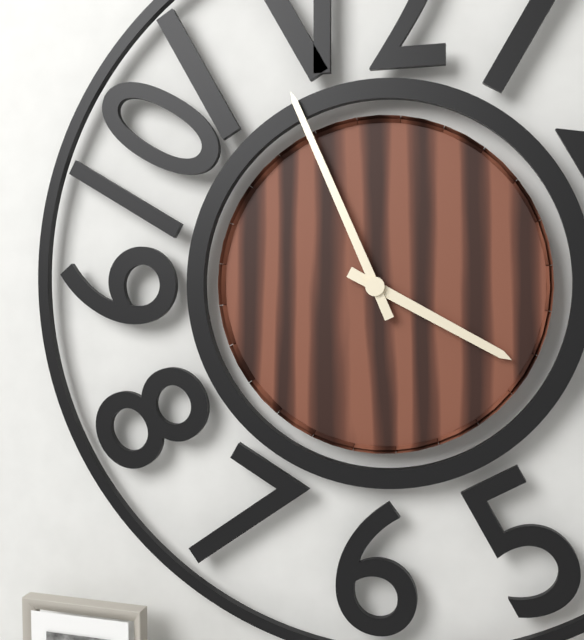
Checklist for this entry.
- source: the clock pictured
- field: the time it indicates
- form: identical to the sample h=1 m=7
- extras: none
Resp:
h=3 m=56
